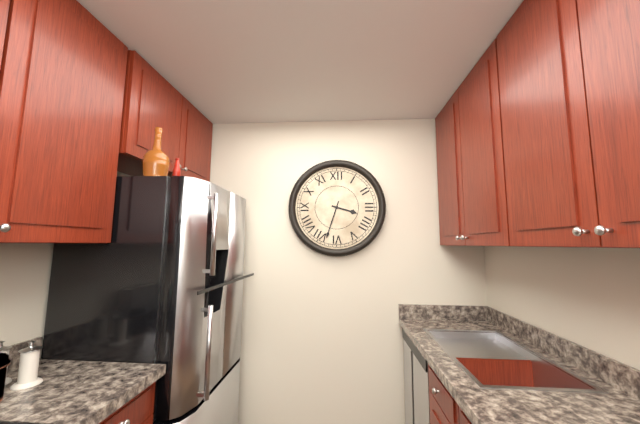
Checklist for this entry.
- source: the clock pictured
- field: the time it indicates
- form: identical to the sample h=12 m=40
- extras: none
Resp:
h=3 m=33
